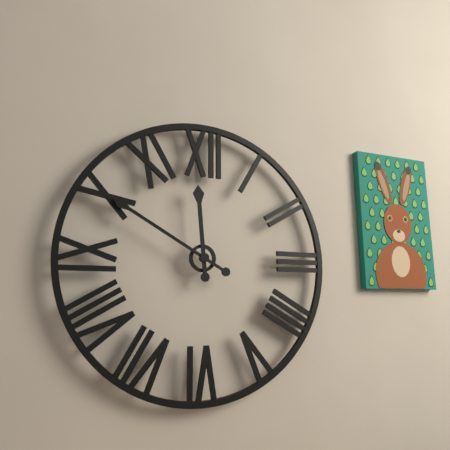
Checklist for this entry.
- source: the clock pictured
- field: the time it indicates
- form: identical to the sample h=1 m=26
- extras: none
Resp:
h=11 m=50
